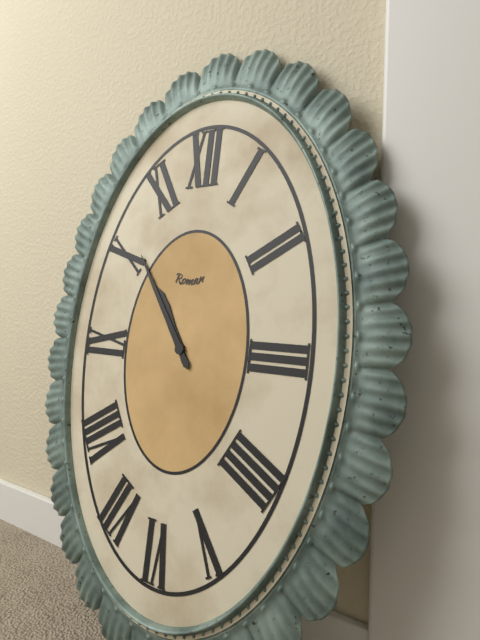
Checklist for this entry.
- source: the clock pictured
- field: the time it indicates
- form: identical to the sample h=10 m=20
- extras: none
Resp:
h=10 m=54
